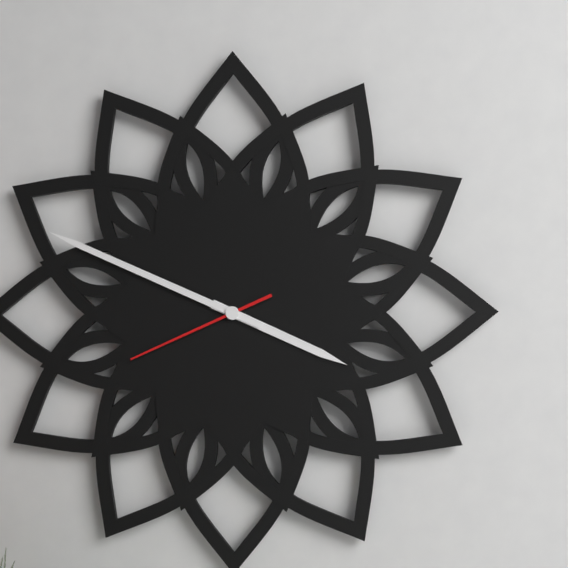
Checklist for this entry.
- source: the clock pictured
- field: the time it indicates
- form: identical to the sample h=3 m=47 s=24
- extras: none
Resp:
h=3 m=49 s=41
